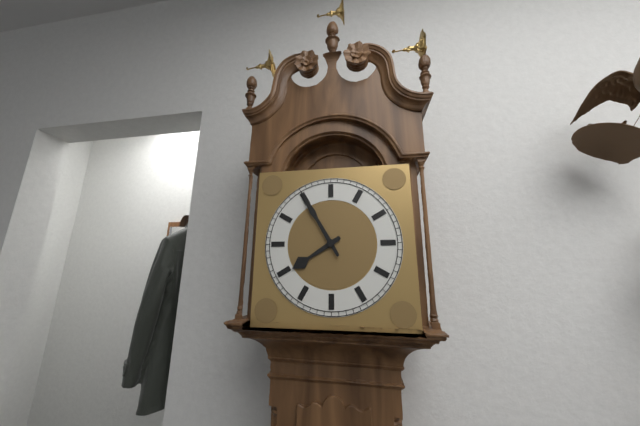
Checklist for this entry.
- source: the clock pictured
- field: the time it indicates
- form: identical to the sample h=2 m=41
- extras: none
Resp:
h=7 m=55
